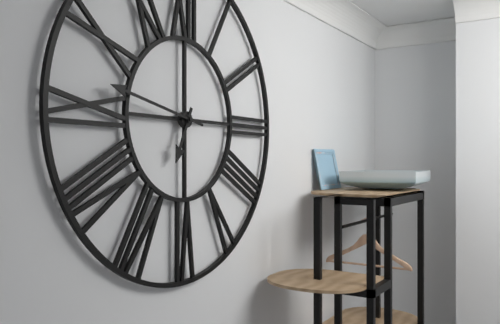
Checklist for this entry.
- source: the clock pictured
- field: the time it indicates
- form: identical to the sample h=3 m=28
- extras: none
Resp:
h=6 m=47
